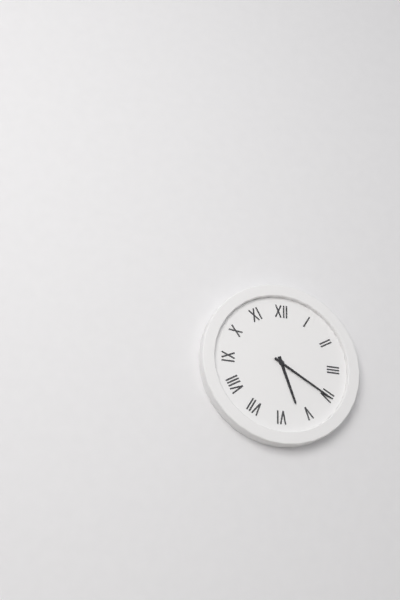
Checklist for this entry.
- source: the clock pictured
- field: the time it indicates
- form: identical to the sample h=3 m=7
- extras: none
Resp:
h=5 m=20
